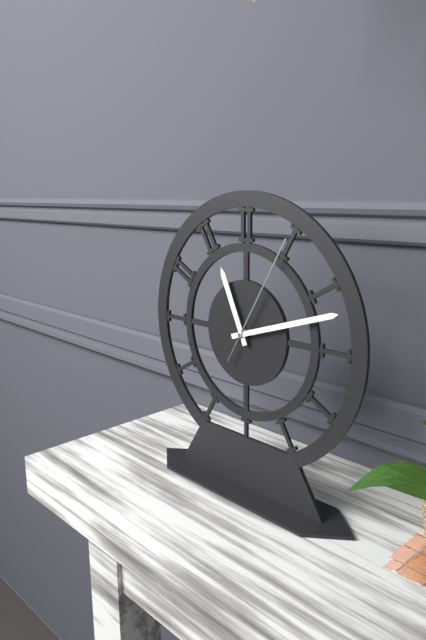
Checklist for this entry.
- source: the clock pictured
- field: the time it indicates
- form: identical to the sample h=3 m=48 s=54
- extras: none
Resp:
h=11 m=12 s=5
